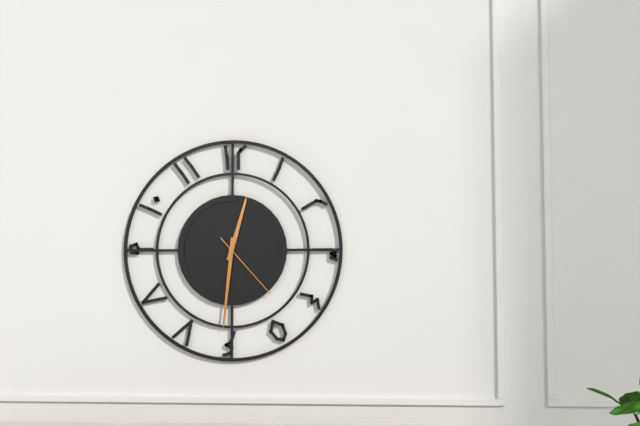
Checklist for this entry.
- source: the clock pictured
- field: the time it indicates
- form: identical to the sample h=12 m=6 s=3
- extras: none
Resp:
h=12 m=31 s=23
